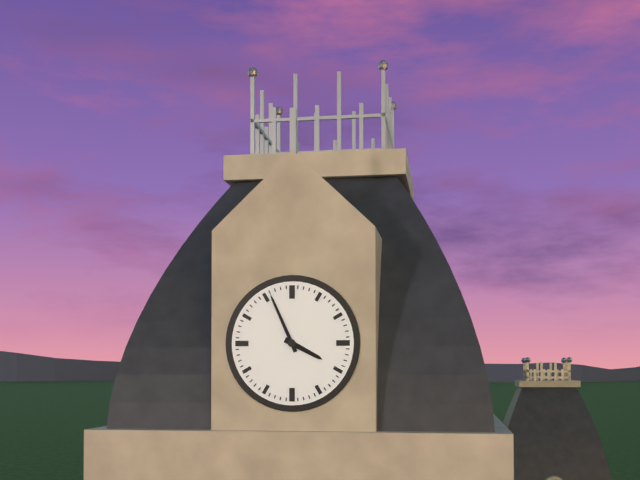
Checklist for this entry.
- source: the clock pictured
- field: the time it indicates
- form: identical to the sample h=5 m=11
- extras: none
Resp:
h=3 m=56
